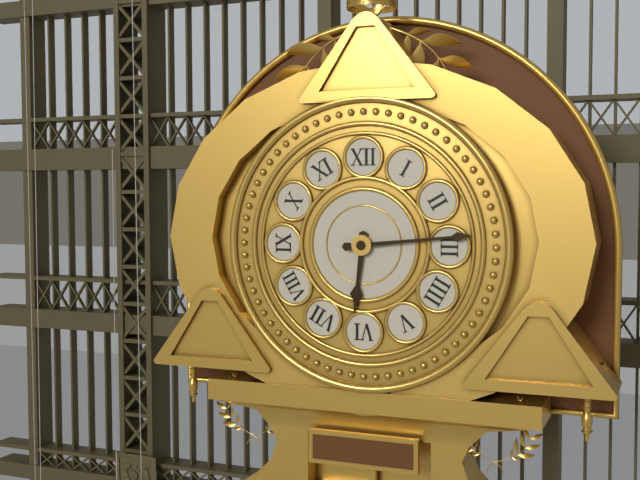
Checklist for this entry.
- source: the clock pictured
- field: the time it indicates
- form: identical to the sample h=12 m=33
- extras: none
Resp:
h=6 m=14
